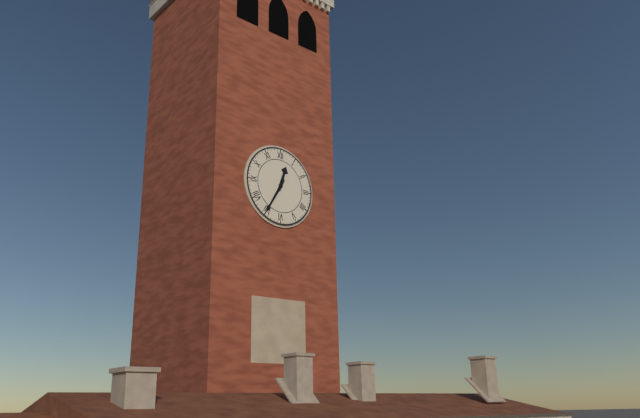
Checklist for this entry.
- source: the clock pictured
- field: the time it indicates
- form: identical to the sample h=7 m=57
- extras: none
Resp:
h=12 m=35
